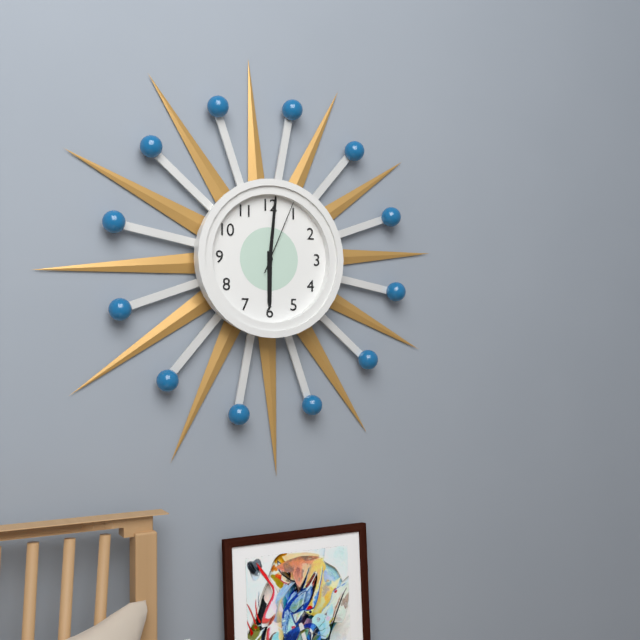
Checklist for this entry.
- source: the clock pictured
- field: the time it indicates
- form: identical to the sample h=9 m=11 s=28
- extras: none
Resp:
h=6 m=1 s=4
